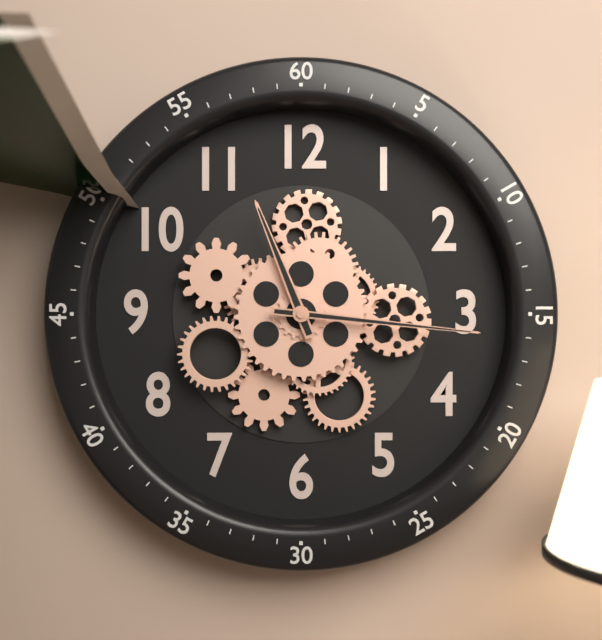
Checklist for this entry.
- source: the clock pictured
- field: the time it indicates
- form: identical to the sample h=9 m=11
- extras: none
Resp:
h=11 m=16
